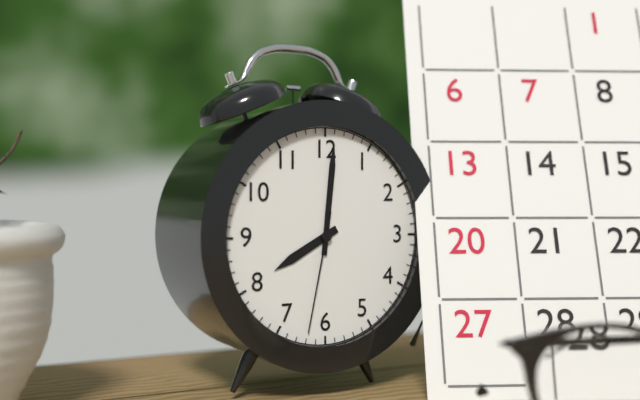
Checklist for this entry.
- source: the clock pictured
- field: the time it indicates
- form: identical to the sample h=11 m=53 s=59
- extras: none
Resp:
h=8 m=1 s=32
